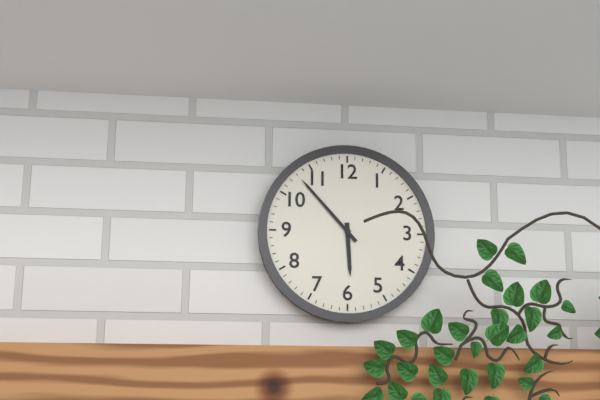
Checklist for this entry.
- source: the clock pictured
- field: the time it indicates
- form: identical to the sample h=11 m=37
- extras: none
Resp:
h=5 m=53
